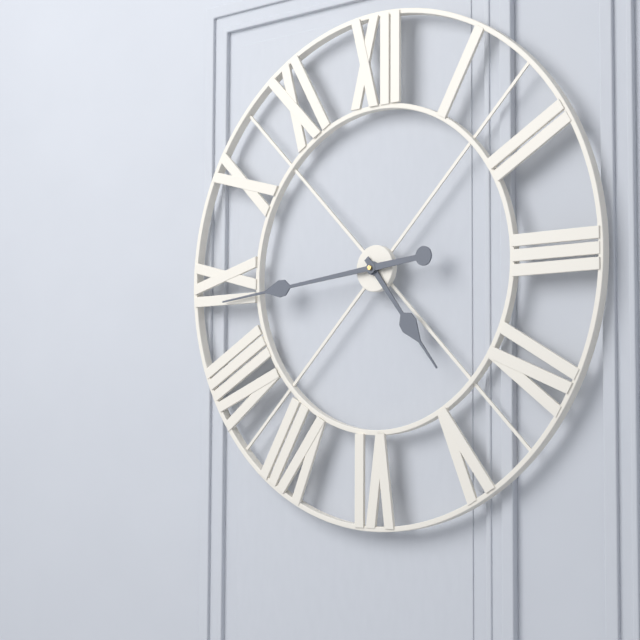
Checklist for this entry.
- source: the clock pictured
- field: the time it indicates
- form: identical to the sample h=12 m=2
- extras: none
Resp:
h=4 m=44
